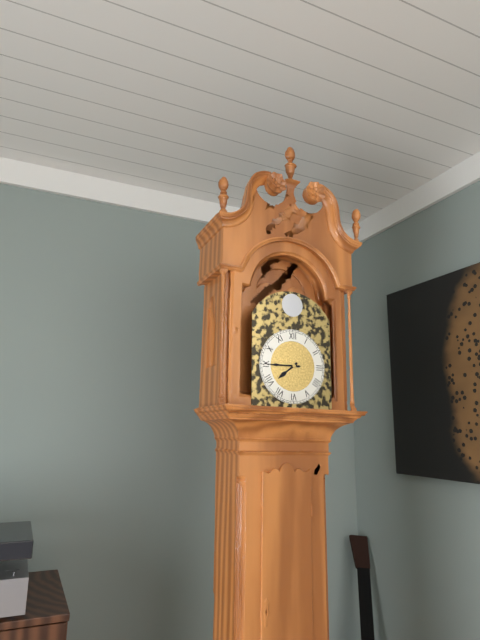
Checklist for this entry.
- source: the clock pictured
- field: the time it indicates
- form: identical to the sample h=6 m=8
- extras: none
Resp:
h=7 m=45
